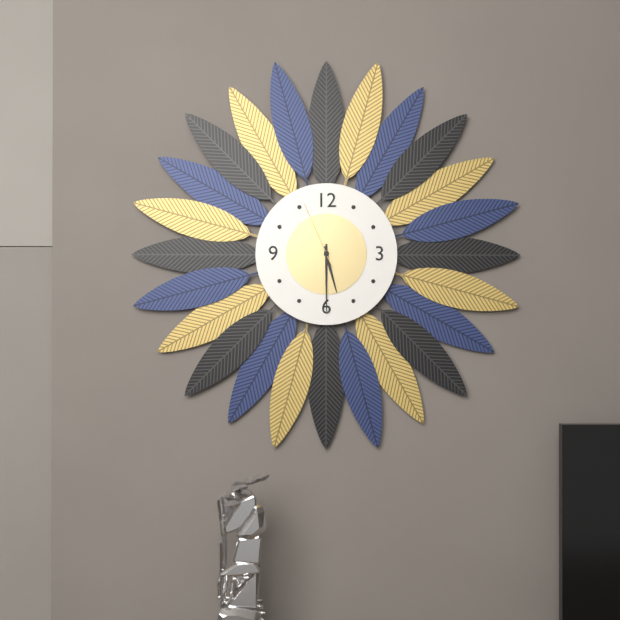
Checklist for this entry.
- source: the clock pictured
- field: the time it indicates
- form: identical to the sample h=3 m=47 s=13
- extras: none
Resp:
h=5 m=30 s=56
